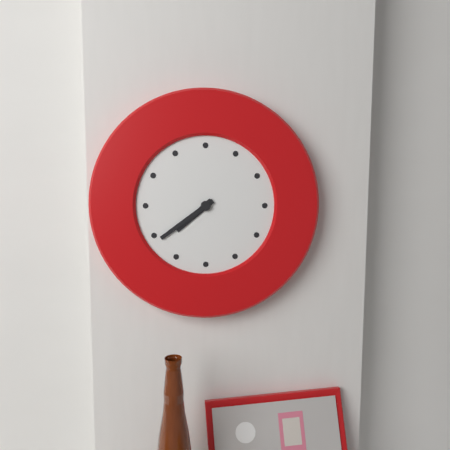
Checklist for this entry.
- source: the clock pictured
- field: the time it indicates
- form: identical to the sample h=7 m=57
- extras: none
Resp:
h=7 m=39
